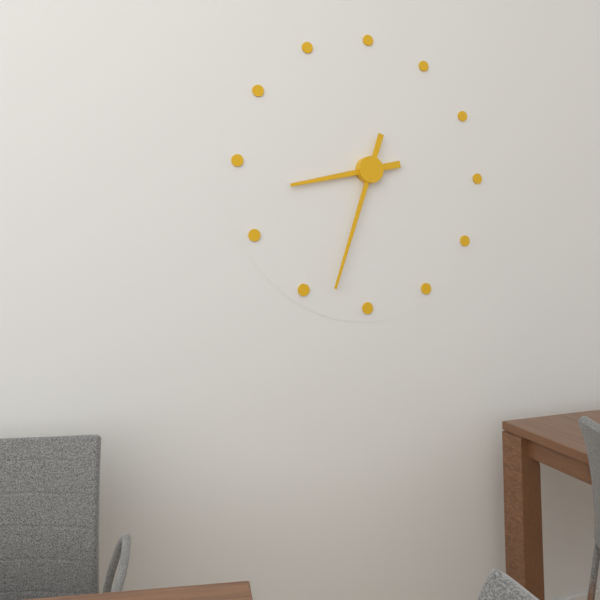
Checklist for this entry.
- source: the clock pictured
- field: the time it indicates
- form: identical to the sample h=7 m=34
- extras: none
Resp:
h=8 m=33
